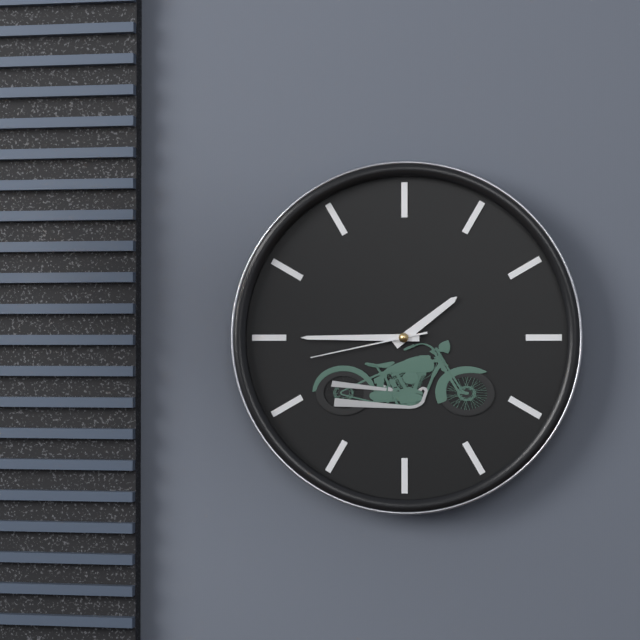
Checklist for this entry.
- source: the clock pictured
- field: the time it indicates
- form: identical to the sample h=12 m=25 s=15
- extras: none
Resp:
h=1 m=45 s=43
